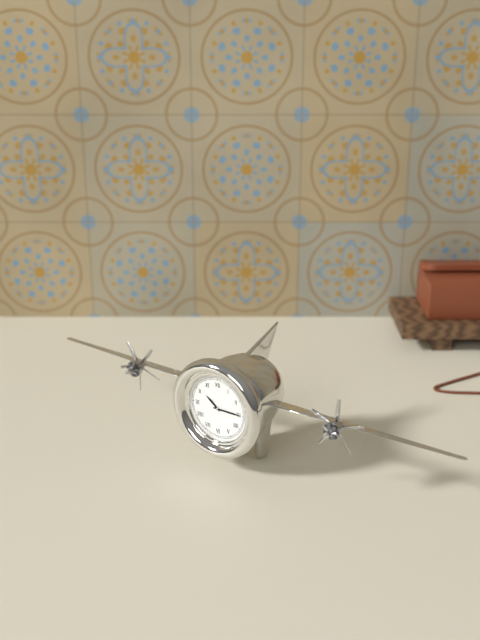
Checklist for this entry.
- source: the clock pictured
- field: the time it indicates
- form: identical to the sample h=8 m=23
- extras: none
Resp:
h=10 m=15
